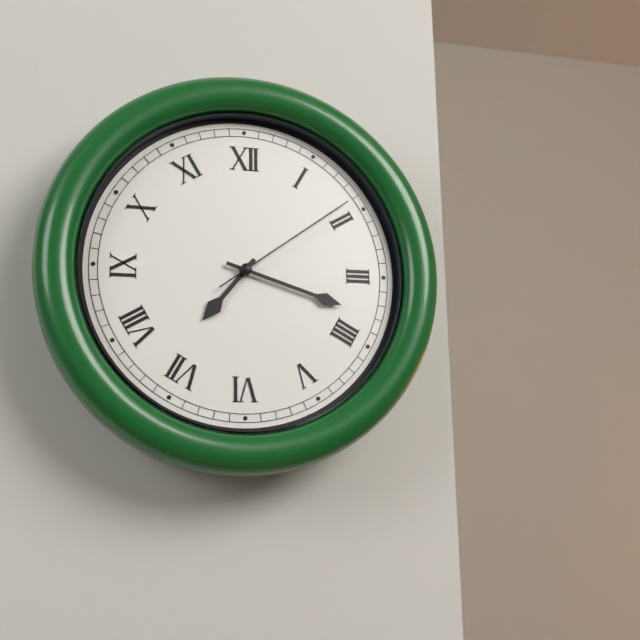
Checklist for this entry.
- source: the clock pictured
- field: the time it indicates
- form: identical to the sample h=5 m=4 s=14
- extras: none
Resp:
h=7 m=18 s=9
